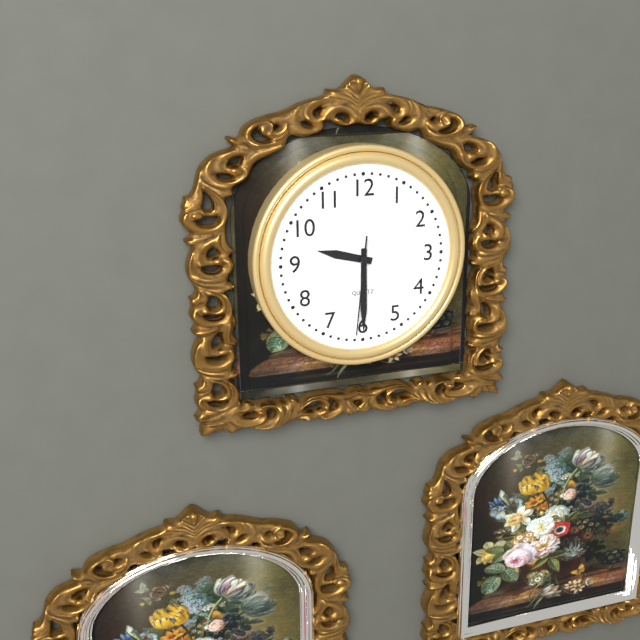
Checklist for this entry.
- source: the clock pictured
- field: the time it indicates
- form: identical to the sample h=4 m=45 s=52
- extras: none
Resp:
h=9 m=30 s=31
